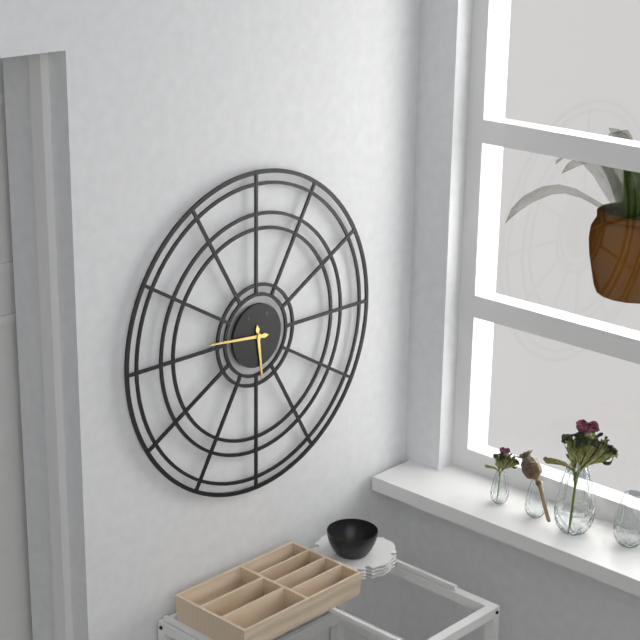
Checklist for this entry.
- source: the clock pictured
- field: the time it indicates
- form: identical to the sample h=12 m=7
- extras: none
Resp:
h=5 m=46
